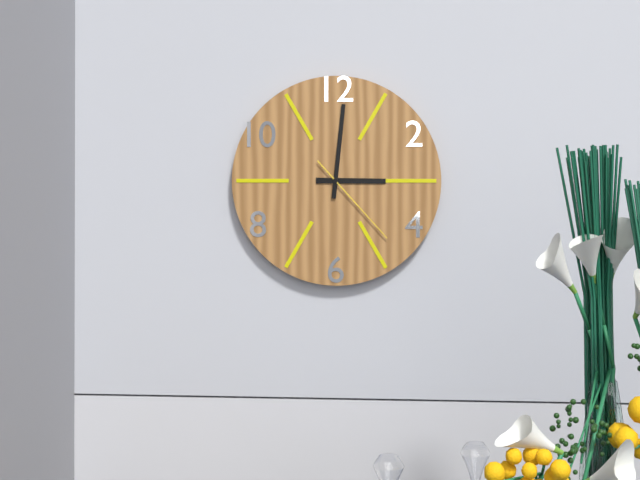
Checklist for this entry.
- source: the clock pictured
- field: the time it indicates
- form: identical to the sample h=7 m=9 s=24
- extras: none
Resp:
h=3 m=1 s=23
